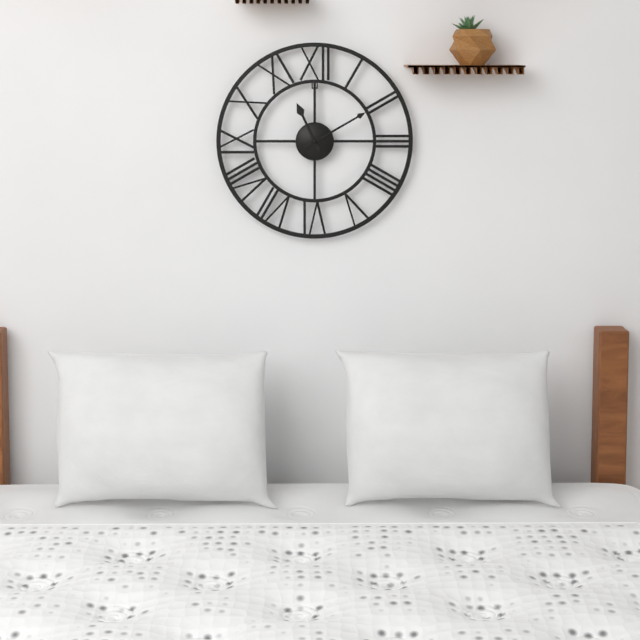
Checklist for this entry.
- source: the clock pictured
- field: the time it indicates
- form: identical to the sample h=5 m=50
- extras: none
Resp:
h=11 m=10
